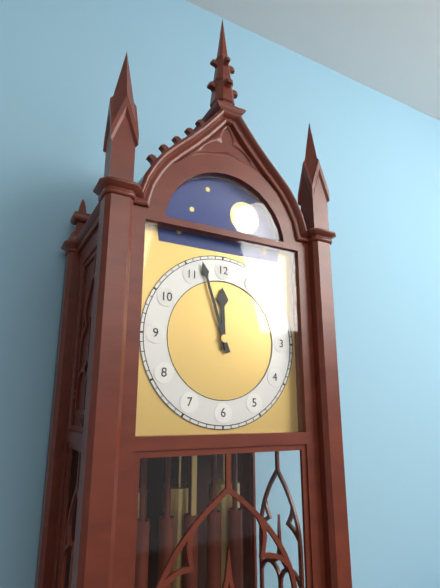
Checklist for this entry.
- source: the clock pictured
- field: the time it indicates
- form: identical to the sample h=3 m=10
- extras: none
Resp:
h=11 m=57
